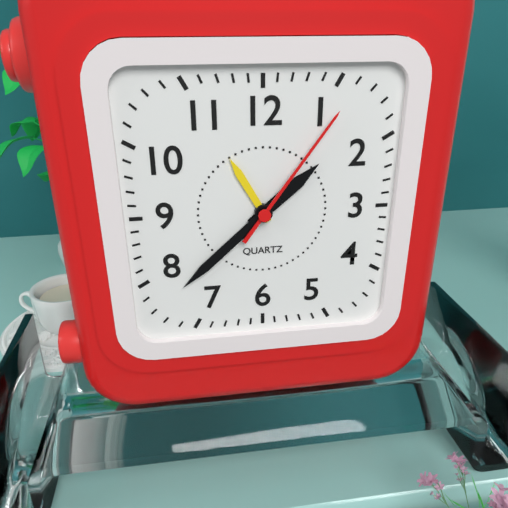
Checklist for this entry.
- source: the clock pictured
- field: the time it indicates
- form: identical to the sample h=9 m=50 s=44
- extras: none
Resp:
h=1 m=38 s=6
